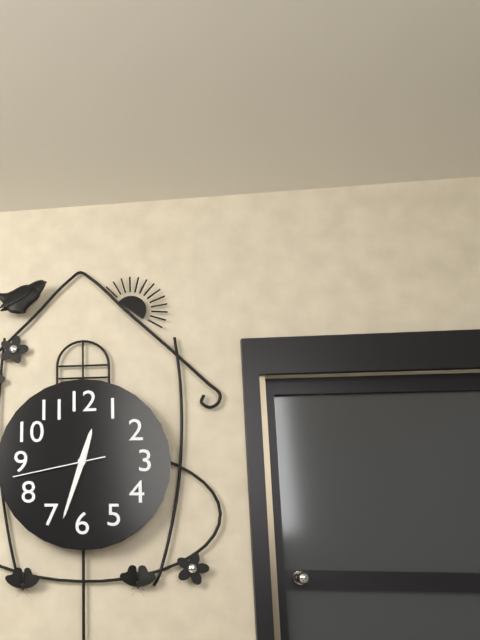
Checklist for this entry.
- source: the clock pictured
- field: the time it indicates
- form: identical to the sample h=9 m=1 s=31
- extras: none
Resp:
h=12 m=33 s=43
